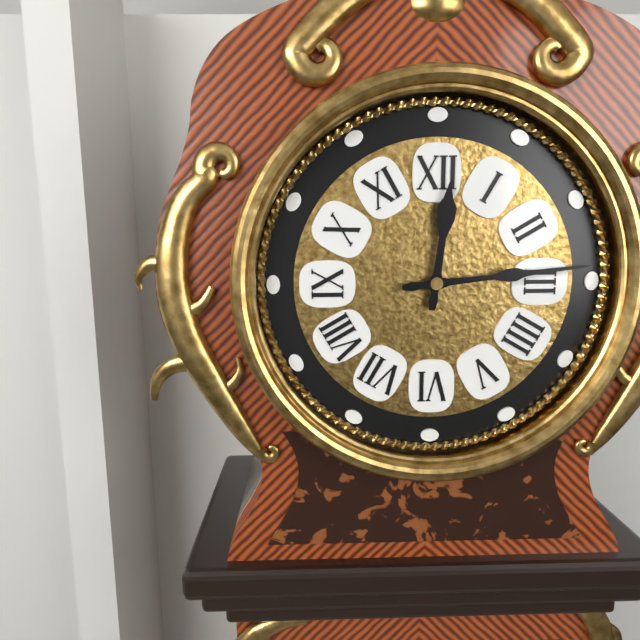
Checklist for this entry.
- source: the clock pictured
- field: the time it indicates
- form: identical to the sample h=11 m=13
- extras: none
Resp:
h=12 m=14
